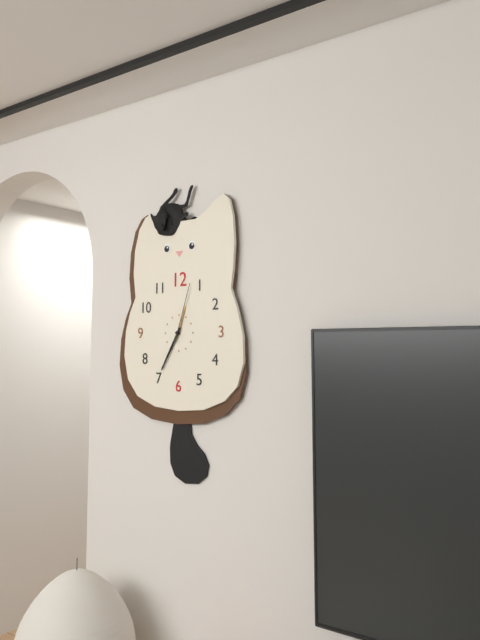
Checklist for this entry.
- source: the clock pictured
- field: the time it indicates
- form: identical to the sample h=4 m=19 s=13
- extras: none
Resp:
h=12 m=35 s=3
